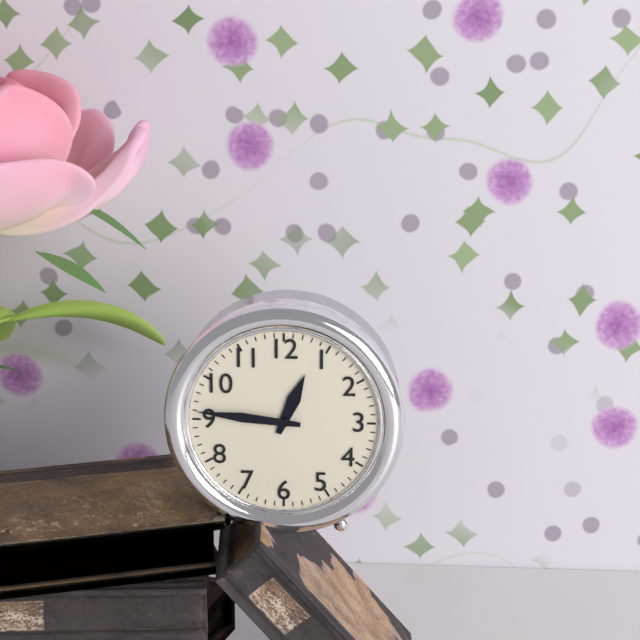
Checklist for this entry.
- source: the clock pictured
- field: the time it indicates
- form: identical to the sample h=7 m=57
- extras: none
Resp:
h=12 m=46
